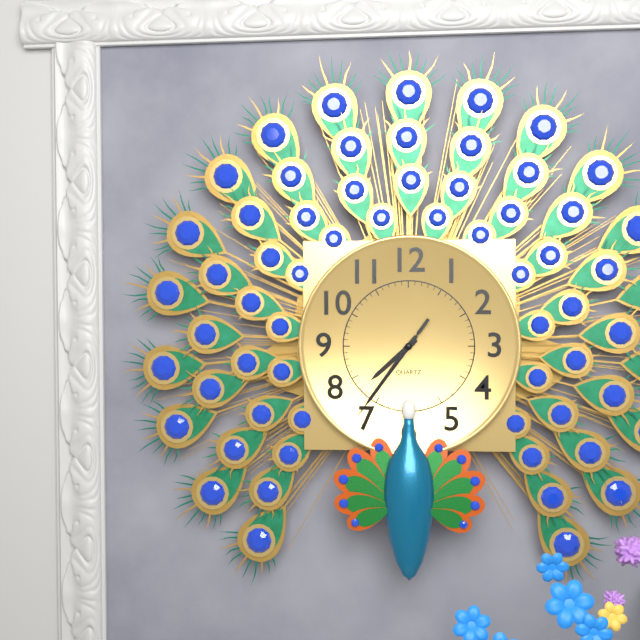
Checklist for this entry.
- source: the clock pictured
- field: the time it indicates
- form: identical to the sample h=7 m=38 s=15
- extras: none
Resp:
h=7 m=36 s=36
